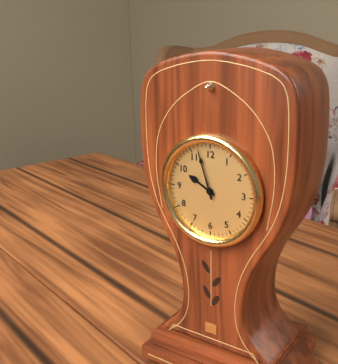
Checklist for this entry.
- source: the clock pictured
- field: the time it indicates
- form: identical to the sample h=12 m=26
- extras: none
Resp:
h=9 m=57
